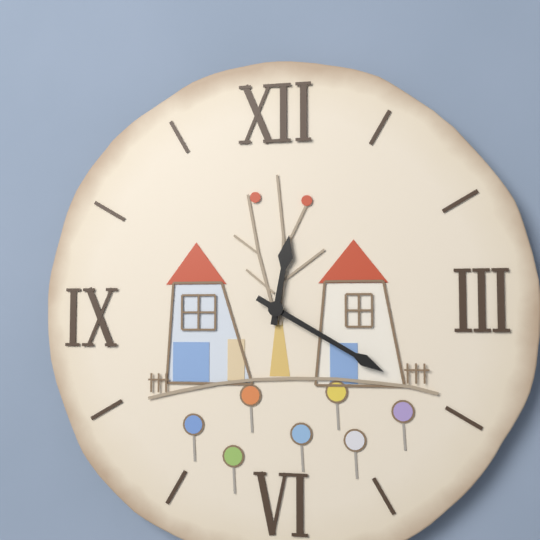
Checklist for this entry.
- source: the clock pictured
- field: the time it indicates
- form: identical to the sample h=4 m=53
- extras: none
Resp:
h=12 m=20
